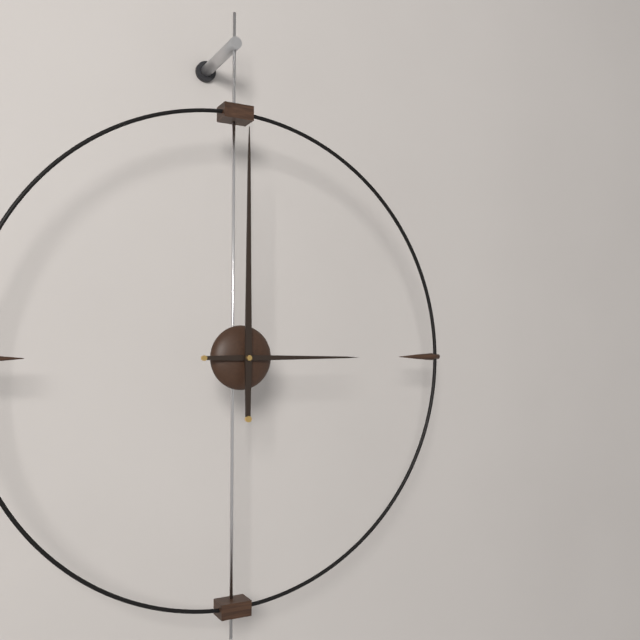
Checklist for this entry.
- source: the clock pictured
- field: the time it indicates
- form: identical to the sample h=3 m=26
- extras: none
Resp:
h=3 m=0
